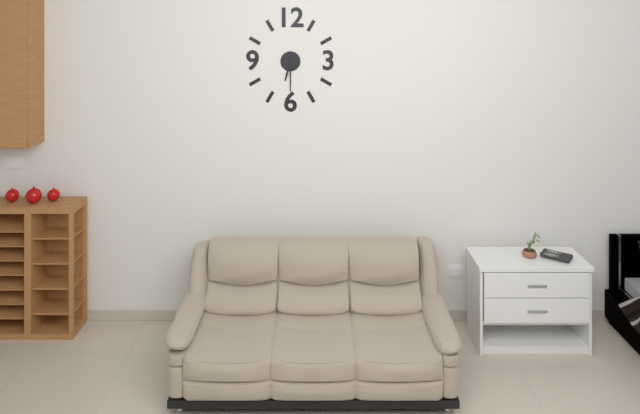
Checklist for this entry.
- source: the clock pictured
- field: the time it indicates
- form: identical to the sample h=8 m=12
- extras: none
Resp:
h=6 m=30
